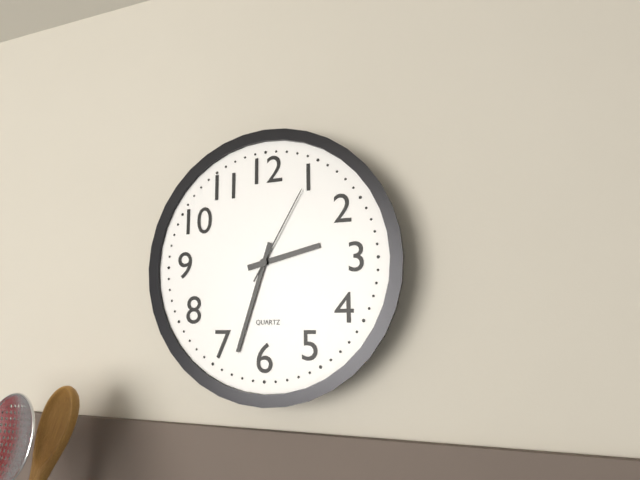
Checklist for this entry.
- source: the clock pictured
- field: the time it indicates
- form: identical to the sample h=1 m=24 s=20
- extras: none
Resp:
h=2 m=33 s=5
